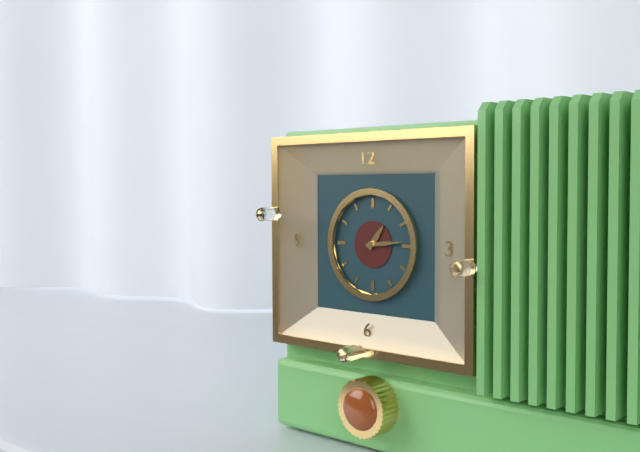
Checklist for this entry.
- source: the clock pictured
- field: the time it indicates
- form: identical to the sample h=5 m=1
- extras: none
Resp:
h=1 m=14
